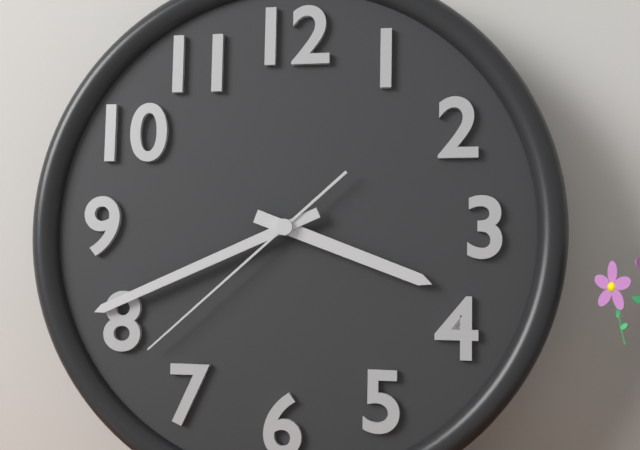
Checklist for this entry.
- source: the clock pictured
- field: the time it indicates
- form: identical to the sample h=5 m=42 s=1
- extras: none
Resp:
h=3 m=41 s=38
